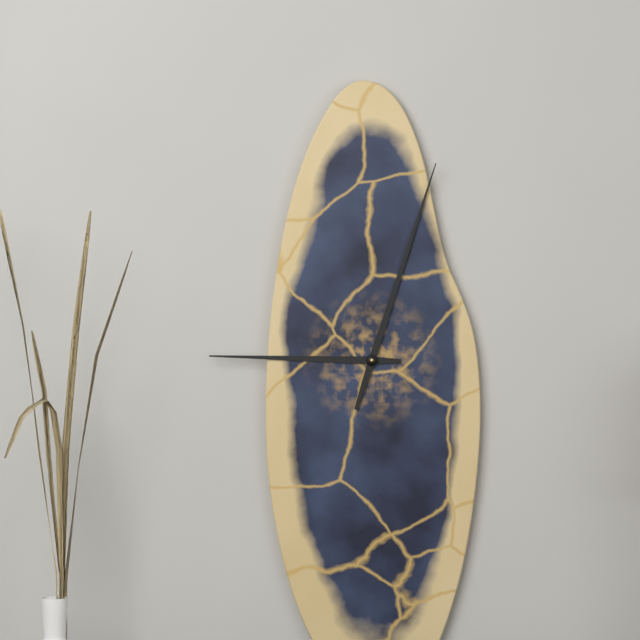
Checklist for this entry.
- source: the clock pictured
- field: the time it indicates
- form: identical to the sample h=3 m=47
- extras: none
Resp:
h=9 m=3
